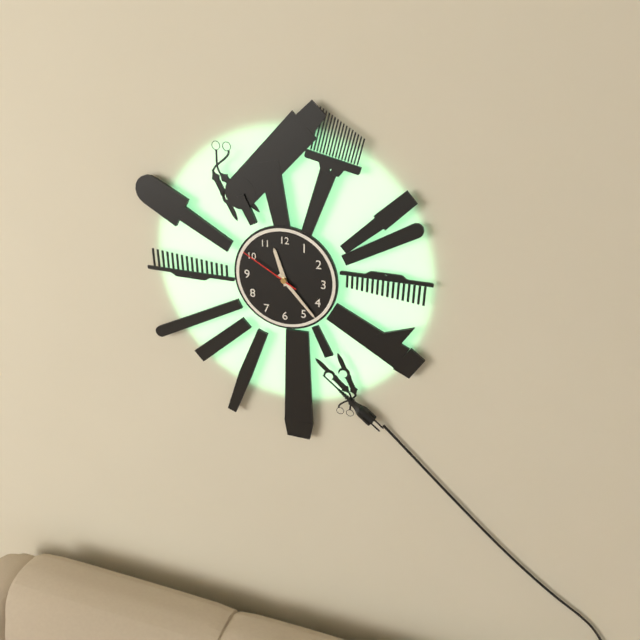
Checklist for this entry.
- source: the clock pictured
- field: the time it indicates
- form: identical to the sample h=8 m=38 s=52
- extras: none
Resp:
h=11 m=23 s=50
